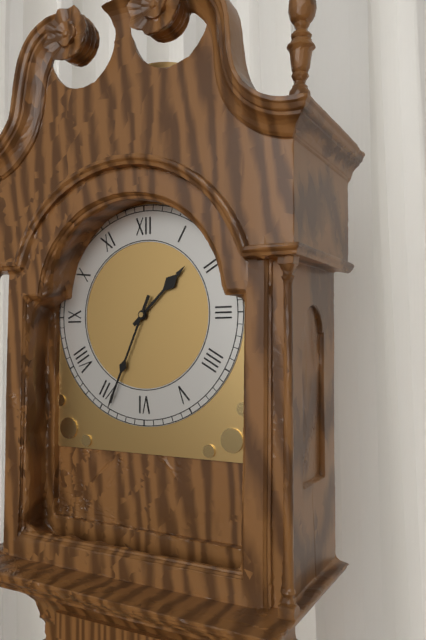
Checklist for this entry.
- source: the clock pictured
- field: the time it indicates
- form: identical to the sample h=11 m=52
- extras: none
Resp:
h=1 m=34
